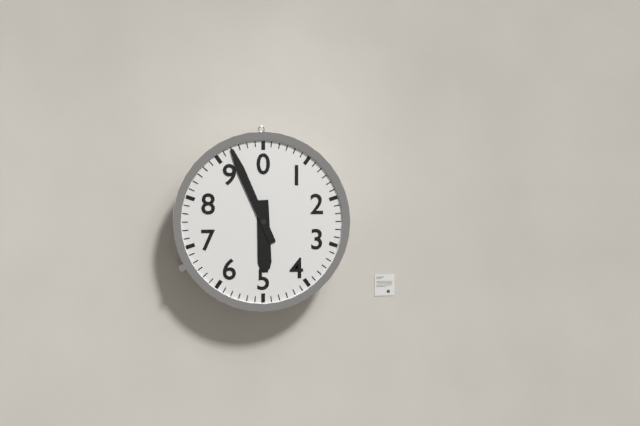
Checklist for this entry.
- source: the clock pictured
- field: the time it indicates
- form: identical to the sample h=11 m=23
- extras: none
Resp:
h=5 m=56
